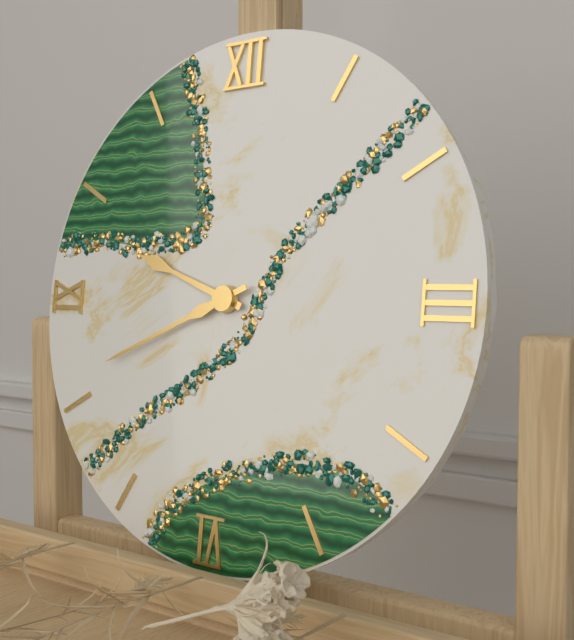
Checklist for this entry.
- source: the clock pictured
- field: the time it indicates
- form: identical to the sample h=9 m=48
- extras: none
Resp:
h=9 m=41
